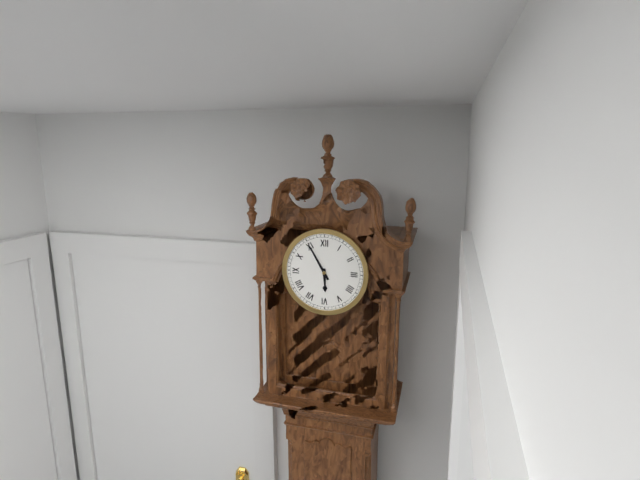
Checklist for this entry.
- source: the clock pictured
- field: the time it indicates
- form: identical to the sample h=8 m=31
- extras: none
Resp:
h=5 m=55
